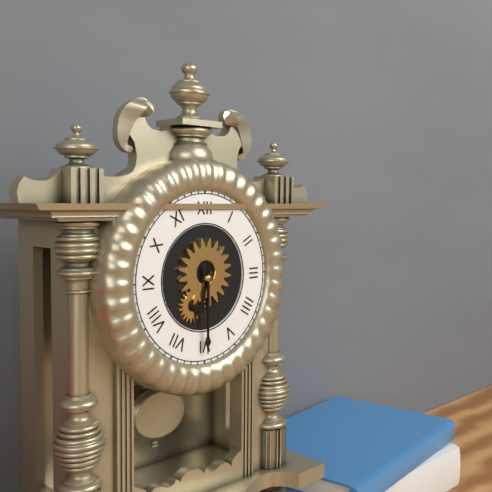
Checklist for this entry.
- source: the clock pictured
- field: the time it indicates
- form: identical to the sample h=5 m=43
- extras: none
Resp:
h=6 m=30
